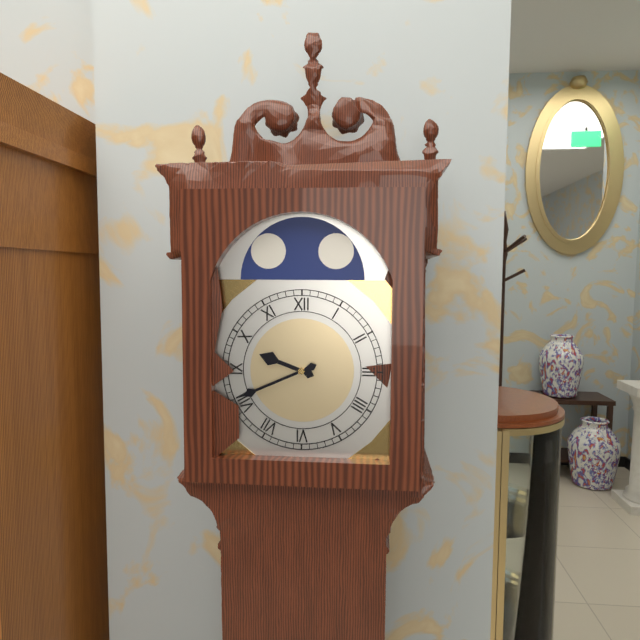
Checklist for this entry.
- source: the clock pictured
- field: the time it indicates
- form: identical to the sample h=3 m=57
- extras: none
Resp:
h=9 m=41
